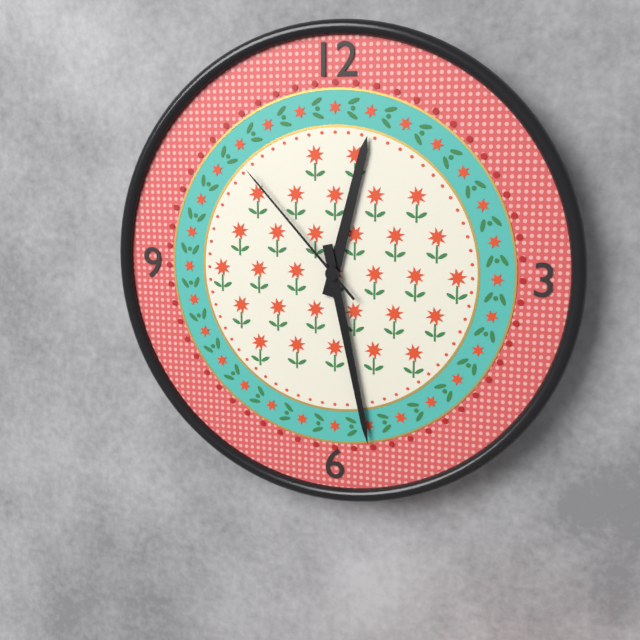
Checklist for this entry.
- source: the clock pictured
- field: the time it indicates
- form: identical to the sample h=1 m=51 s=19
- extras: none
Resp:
h=12 m=28 s=53
